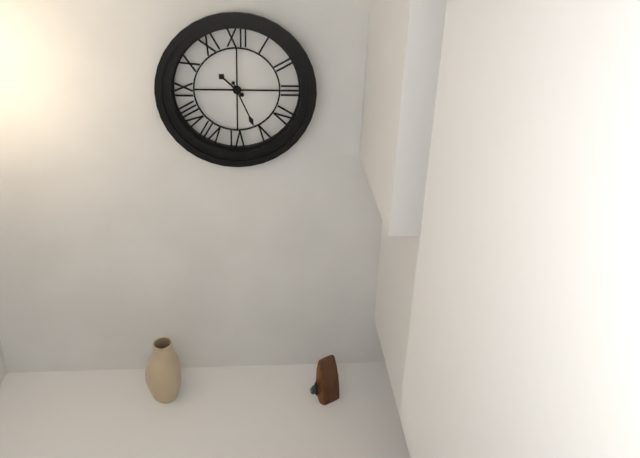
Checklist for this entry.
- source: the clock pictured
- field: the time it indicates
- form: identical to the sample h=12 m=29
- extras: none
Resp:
h=10 m=26
